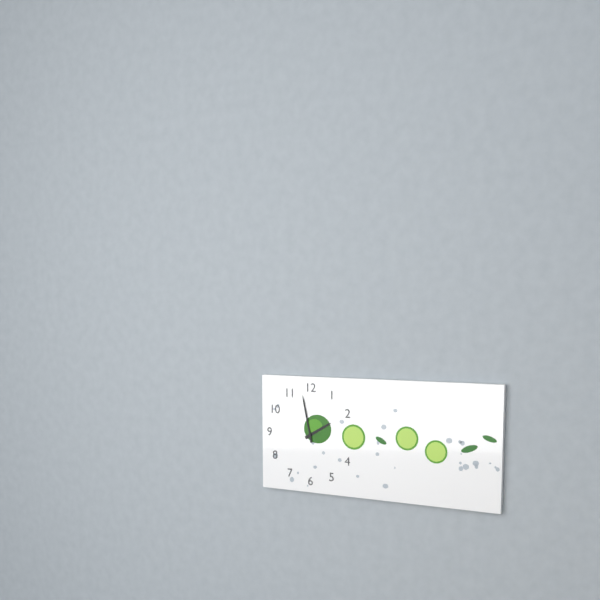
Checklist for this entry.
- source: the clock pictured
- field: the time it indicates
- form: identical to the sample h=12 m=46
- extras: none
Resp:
h=1 m=58
